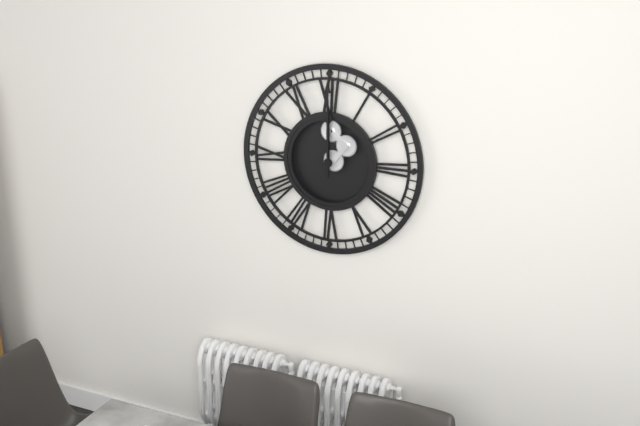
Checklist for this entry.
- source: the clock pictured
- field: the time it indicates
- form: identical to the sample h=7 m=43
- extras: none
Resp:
h=12 m=0
